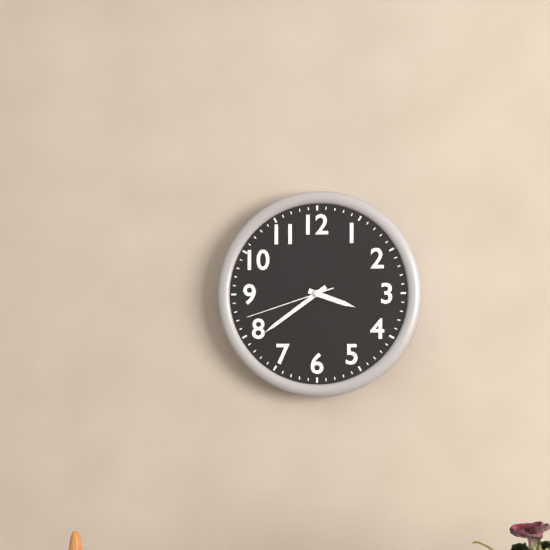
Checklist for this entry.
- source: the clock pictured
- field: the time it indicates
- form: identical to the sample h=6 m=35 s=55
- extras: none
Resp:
h=3 m=39 s=42
